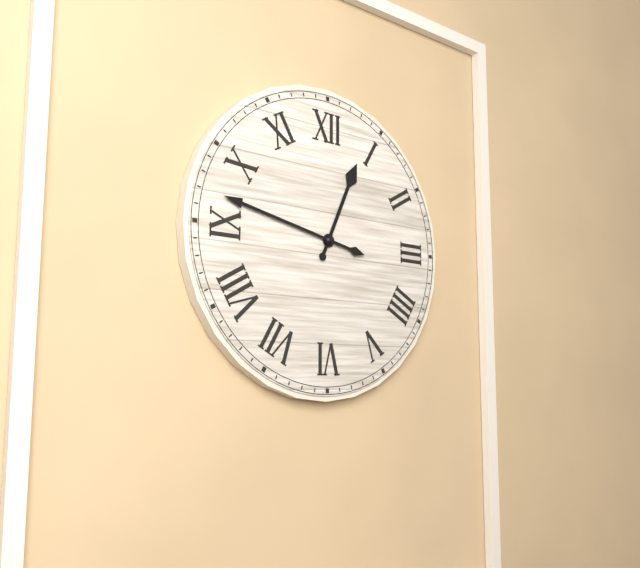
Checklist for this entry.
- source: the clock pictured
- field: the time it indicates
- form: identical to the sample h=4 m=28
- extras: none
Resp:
h=12 m=47
